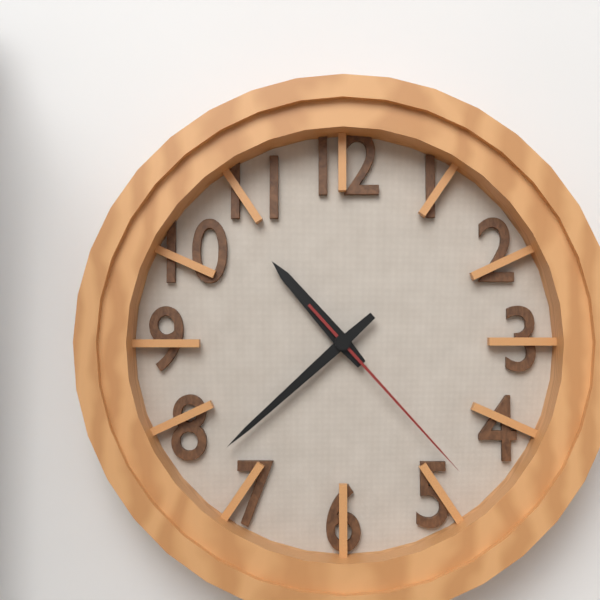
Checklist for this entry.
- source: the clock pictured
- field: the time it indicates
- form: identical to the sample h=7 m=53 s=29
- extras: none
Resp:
h=10 m=38 s=23
